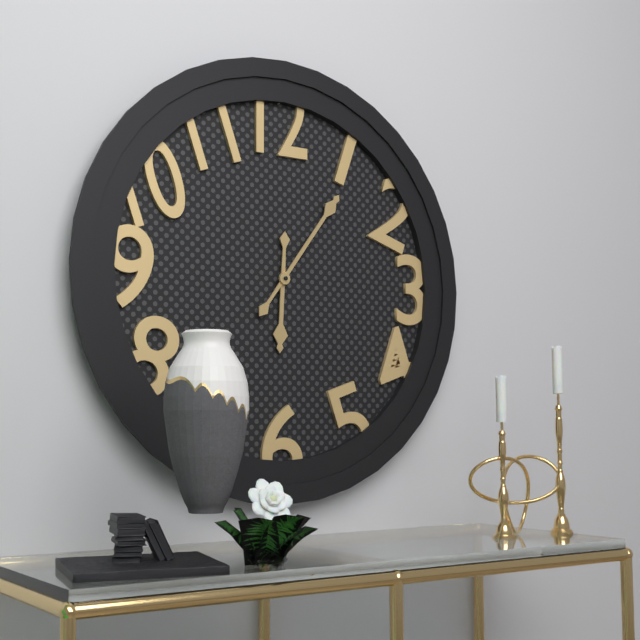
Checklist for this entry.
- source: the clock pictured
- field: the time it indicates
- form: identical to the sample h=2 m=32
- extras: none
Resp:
h=6 m=6
